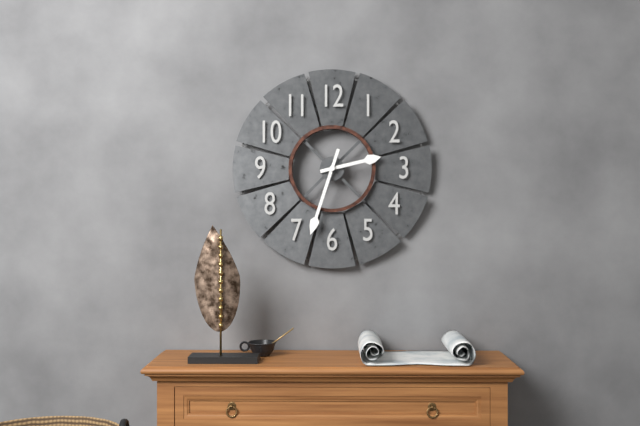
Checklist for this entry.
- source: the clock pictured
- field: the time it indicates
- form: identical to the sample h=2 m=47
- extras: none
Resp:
h=2 m=33
